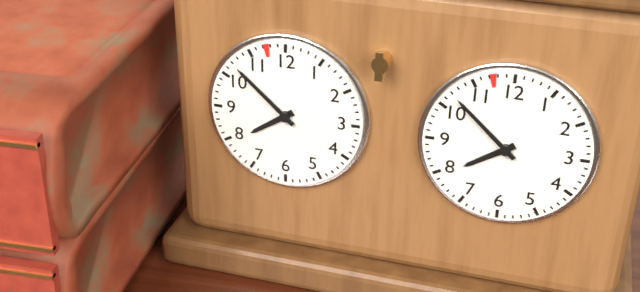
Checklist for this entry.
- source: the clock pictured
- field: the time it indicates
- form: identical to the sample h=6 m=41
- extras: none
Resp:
h=7 m=52
